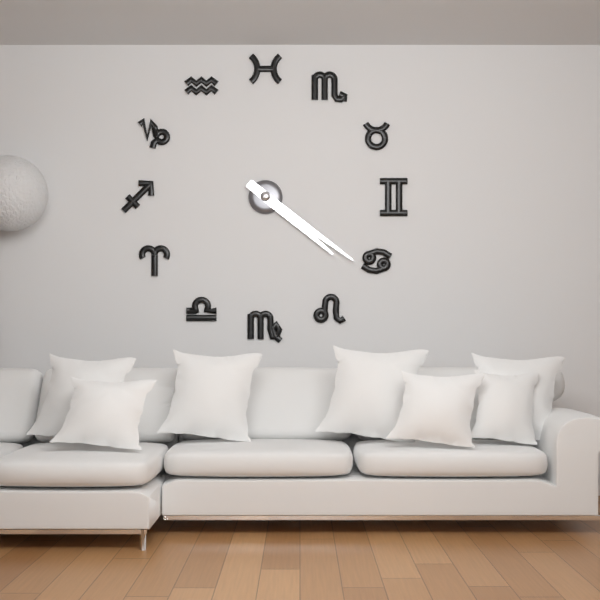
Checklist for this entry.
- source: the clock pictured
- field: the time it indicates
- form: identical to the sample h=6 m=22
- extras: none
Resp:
h=4 m=21
